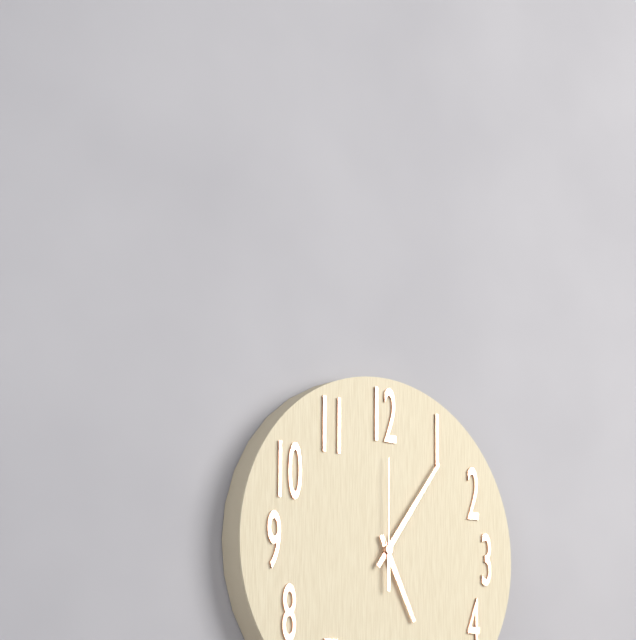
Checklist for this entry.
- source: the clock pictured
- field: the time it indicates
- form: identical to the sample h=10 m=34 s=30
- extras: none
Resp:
h=5 m=6 s=0
